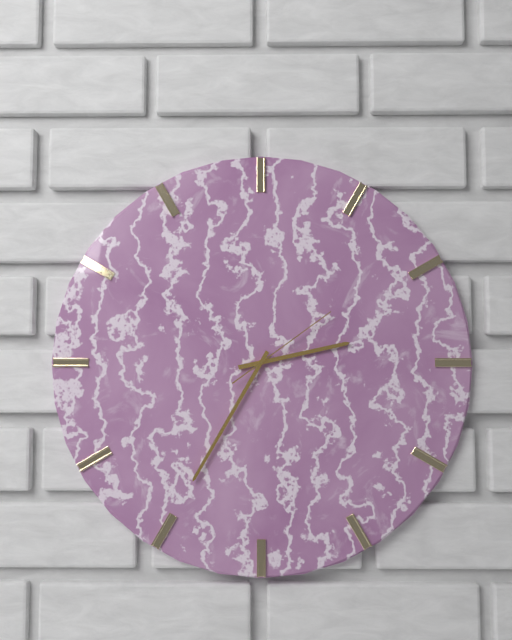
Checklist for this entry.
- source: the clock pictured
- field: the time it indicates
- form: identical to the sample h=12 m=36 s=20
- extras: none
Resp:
h=2 m=35 s=9
